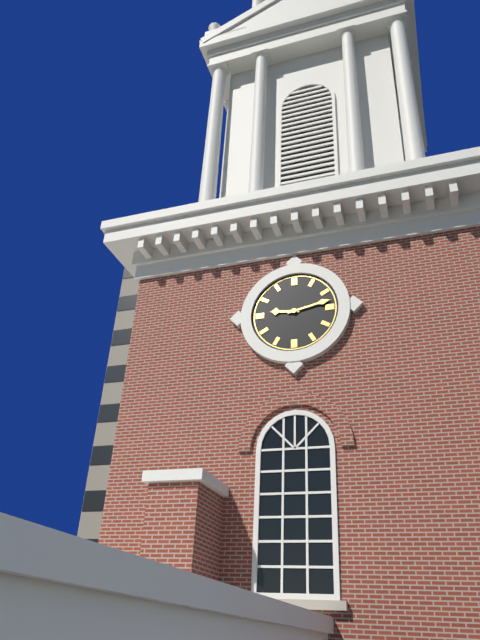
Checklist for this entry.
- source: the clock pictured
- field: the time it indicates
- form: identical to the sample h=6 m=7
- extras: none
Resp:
h=9 m=13
